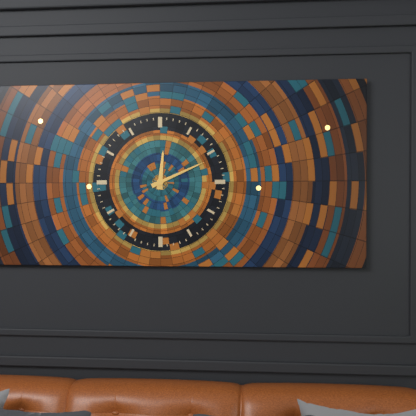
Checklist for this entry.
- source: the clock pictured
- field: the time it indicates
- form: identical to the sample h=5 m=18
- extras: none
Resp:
h=12 m=11
